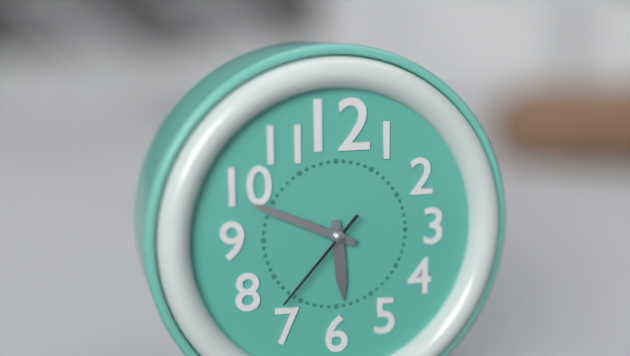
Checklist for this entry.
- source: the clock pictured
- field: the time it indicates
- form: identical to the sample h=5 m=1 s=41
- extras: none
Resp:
h=5 m=49 s=37
